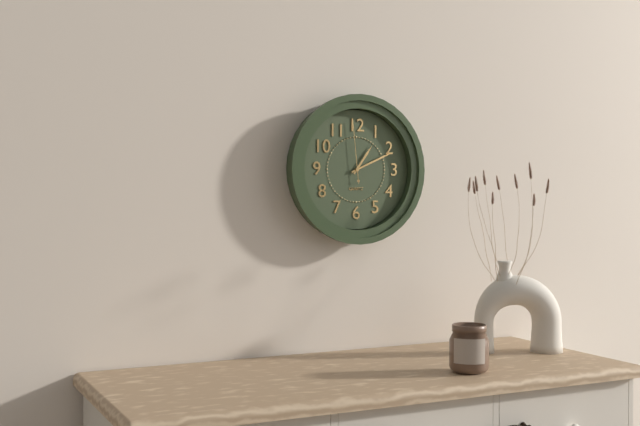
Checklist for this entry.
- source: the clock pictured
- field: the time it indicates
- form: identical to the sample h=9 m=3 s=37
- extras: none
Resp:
h=1 m=11 s=59
